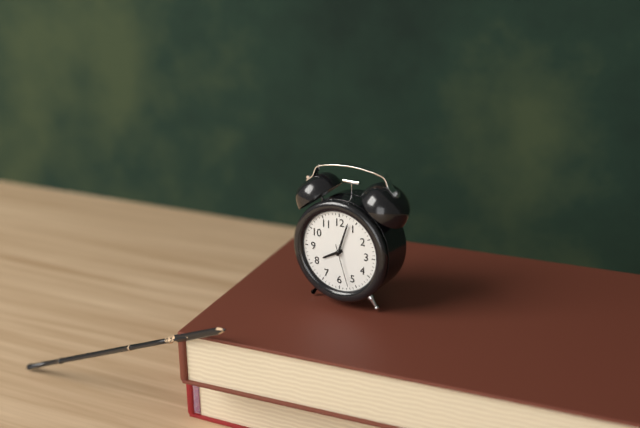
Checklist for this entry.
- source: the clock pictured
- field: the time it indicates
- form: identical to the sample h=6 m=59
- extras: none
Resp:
h=8 m=3
